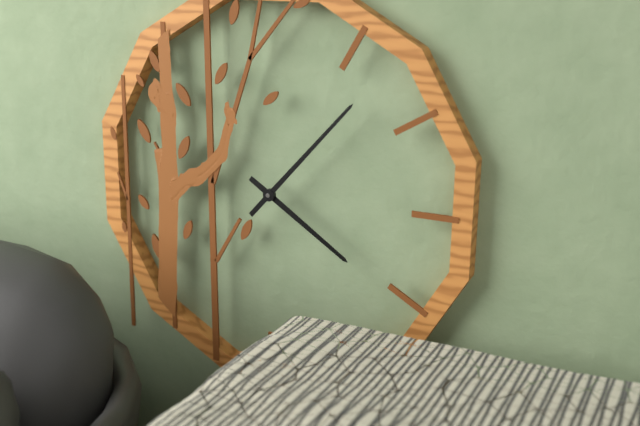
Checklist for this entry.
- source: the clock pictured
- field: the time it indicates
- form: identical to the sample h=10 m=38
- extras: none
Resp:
h=4 m=7
